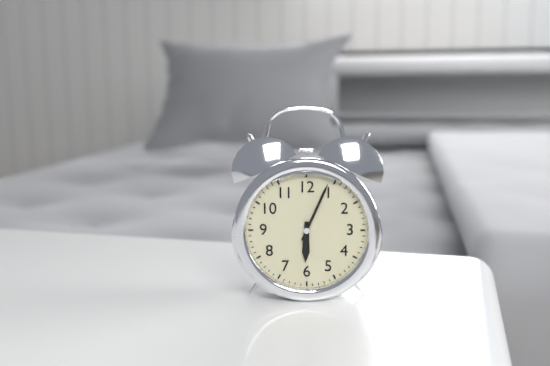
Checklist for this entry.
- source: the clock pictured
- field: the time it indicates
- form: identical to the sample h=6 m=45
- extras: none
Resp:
h=6 m=4
